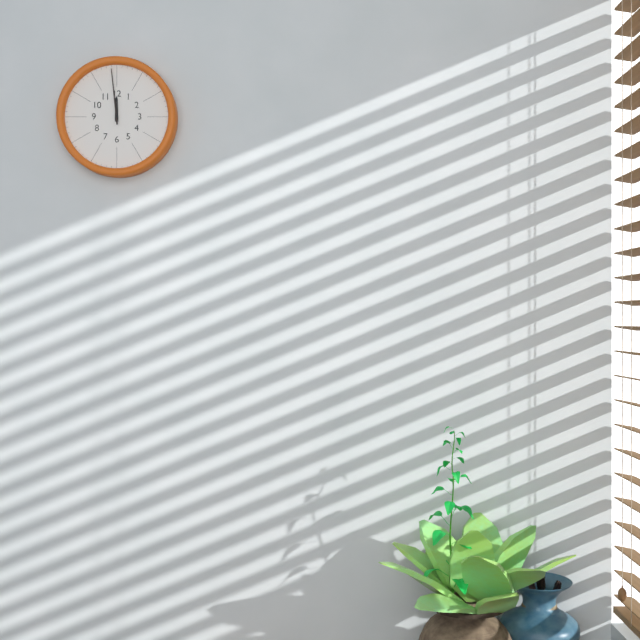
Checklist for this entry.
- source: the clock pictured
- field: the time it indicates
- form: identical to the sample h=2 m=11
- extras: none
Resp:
h=11 m=59
